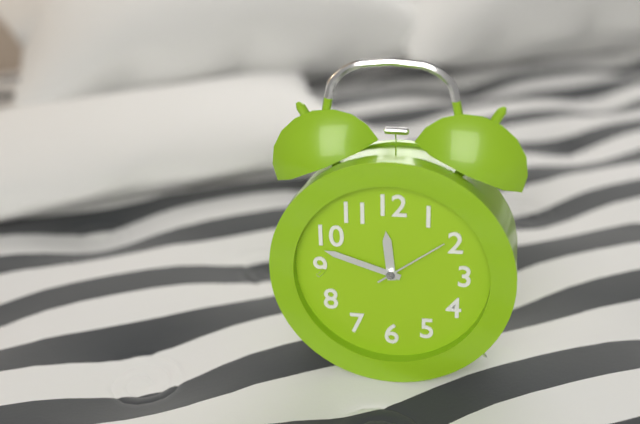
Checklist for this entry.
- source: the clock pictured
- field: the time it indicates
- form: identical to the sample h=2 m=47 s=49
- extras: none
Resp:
h=11 m=48 s=9
